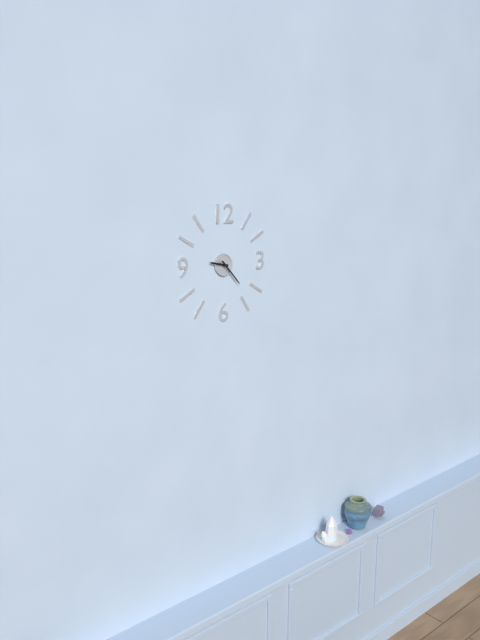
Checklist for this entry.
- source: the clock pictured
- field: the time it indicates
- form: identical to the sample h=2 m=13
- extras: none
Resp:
h=9 m=23
